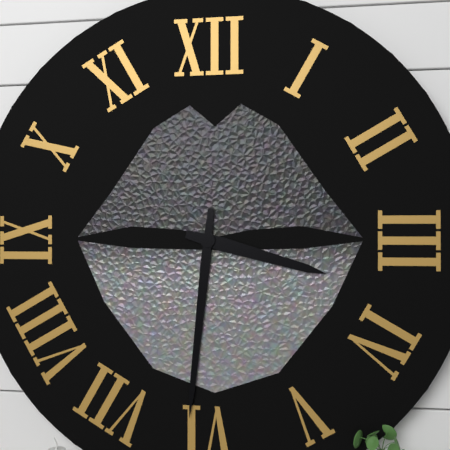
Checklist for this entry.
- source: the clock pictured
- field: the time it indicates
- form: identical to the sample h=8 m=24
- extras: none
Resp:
h=3 m=31
